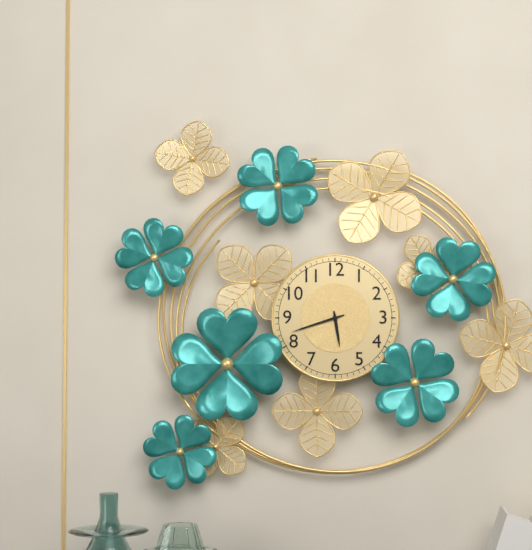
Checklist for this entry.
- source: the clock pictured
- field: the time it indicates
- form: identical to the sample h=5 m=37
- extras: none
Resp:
h=5 m=42
